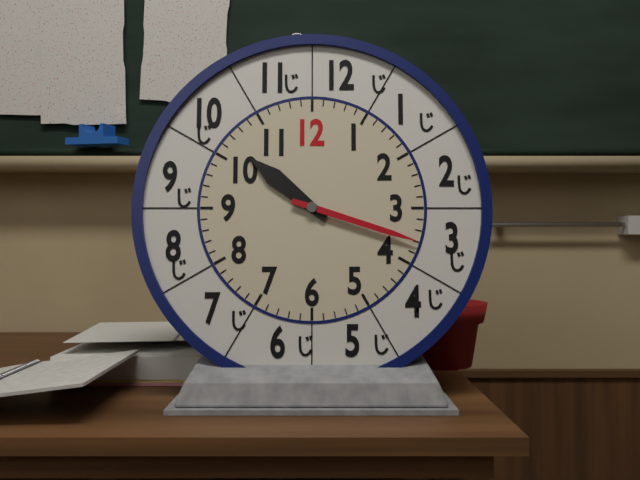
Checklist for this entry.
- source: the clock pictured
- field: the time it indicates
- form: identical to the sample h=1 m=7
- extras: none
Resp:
h=10 m=18
